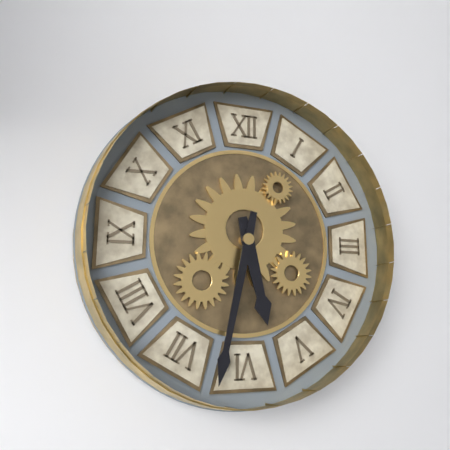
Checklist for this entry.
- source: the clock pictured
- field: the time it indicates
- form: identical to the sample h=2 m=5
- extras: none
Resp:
h=5 m=32
